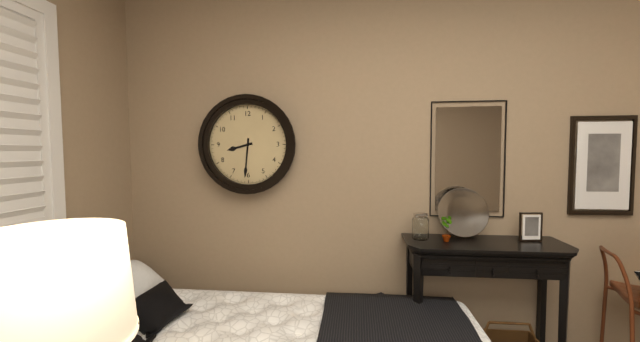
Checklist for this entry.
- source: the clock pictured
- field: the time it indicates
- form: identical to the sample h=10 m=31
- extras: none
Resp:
h=8 m=31
